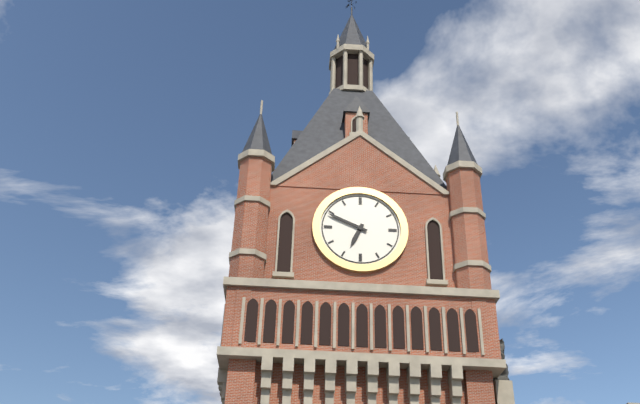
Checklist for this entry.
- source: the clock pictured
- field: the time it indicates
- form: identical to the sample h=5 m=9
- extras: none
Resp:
h=6 m=49
